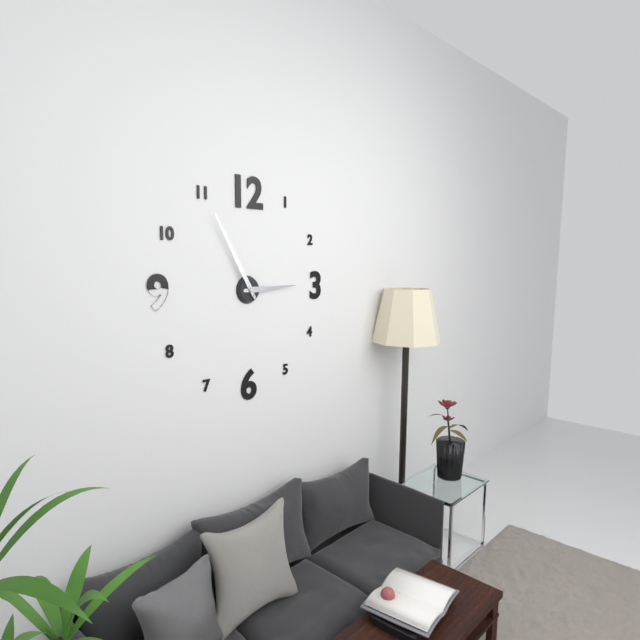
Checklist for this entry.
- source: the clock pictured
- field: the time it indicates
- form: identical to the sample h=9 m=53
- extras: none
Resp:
h=2 m=55
